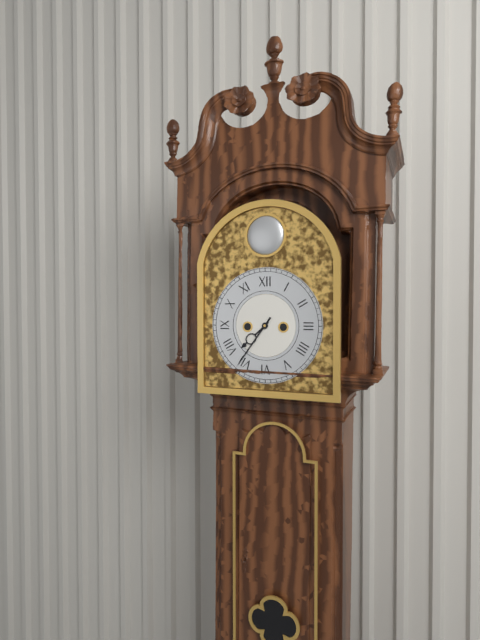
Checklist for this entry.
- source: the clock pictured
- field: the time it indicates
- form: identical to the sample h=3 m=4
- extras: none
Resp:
h=7 m=36
